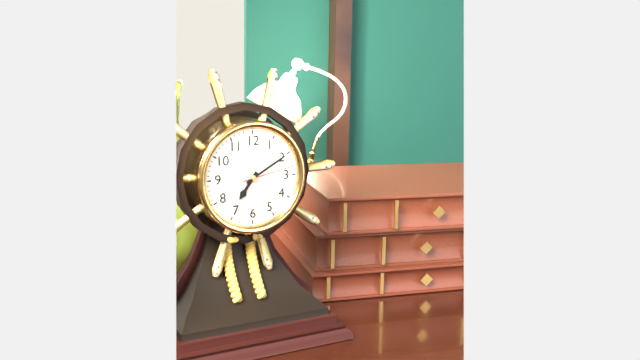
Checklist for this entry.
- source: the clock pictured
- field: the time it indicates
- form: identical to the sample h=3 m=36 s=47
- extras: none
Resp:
h=7 m=10 s=13
